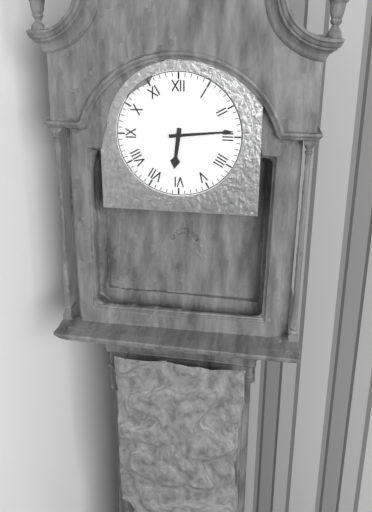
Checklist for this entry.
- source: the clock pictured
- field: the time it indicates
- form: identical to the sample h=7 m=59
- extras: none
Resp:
h=6 m=14
